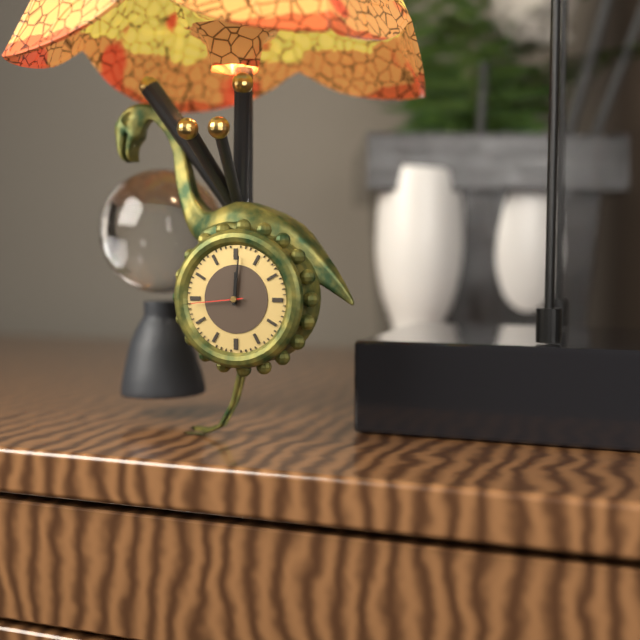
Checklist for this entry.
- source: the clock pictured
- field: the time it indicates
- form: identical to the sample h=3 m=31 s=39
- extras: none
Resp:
h=12 m=1 s=44
